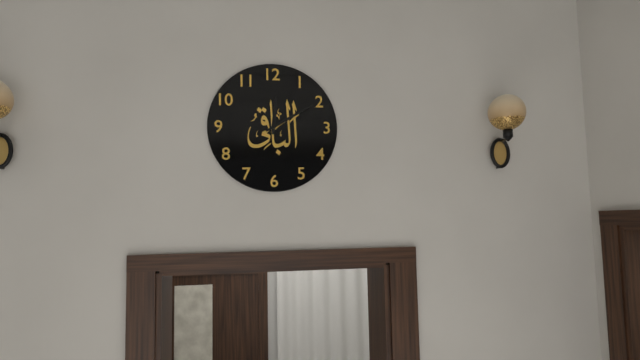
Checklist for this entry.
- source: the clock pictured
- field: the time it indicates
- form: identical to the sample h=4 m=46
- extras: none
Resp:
h=12 m=10
